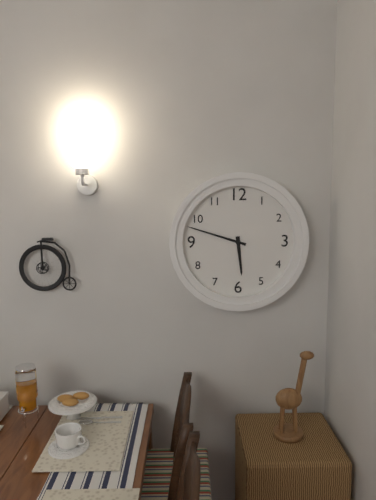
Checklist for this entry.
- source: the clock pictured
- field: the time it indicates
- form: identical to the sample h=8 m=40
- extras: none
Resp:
h=5 m=48
